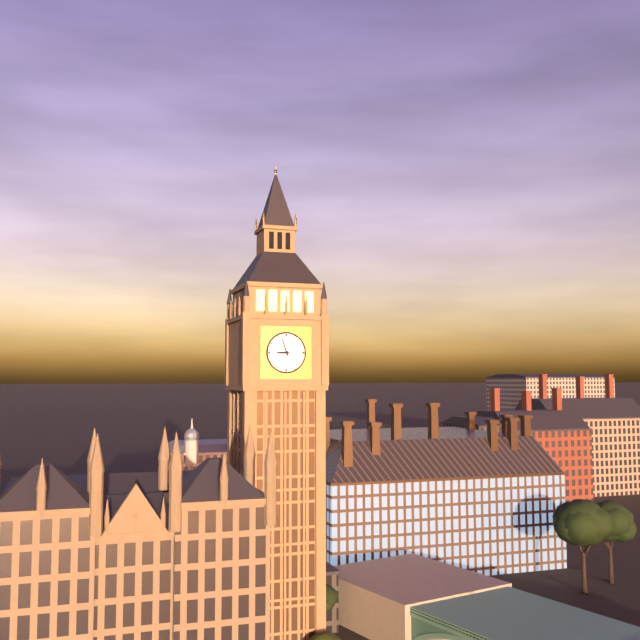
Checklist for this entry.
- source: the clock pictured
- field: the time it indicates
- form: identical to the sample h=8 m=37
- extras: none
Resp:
h=8 m=57
